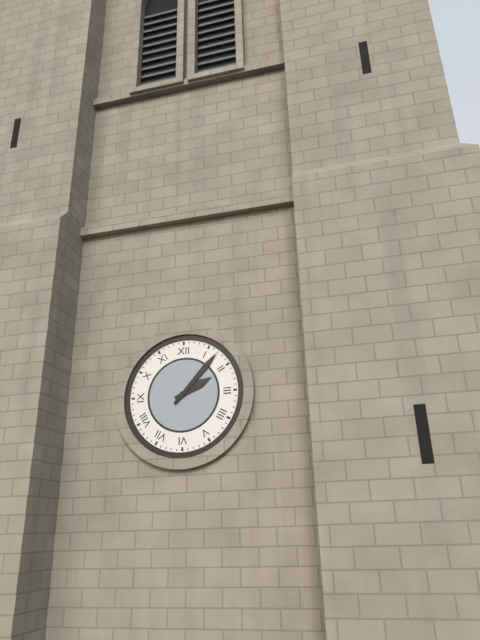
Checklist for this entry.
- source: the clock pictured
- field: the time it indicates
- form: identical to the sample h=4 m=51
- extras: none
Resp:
h=2 m=7
